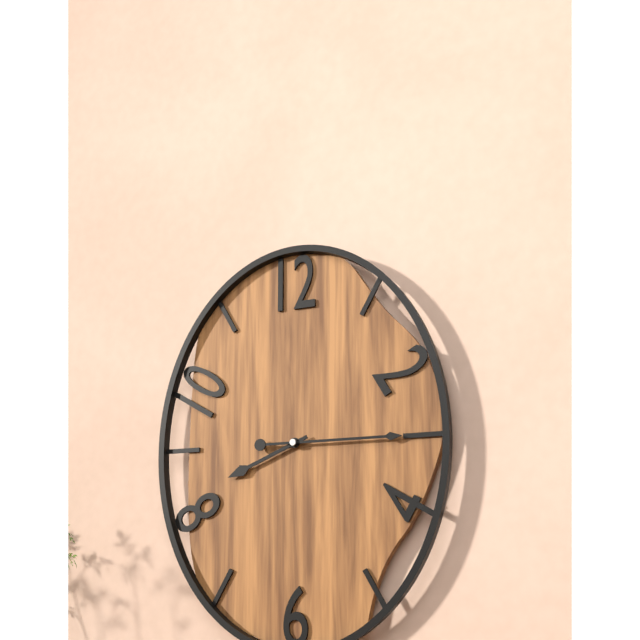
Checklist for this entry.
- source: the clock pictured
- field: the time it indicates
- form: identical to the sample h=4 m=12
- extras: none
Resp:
h=8 m=15
